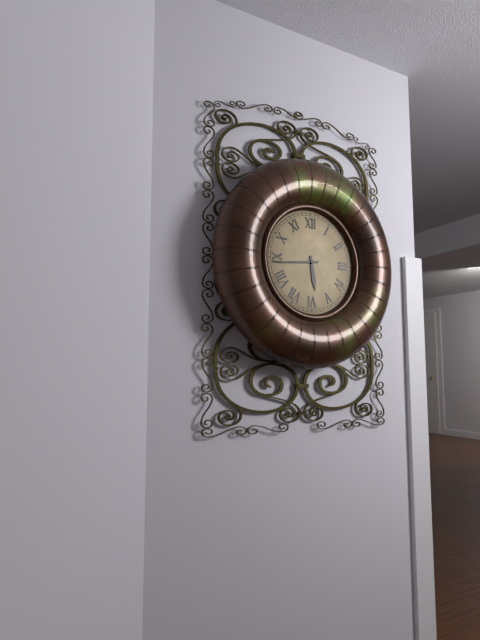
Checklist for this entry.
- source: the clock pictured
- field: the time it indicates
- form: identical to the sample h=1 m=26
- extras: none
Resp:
h=5 m=44
